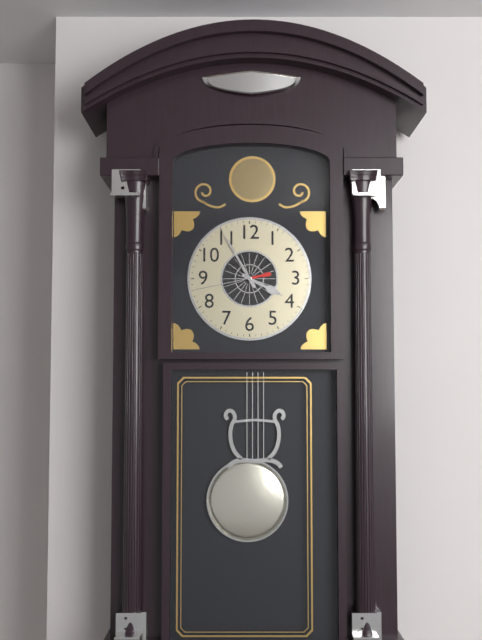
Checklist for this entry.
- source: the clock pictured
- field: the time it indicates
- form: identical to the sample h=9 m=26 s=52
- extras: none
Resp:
h=3 m=55 s=43
